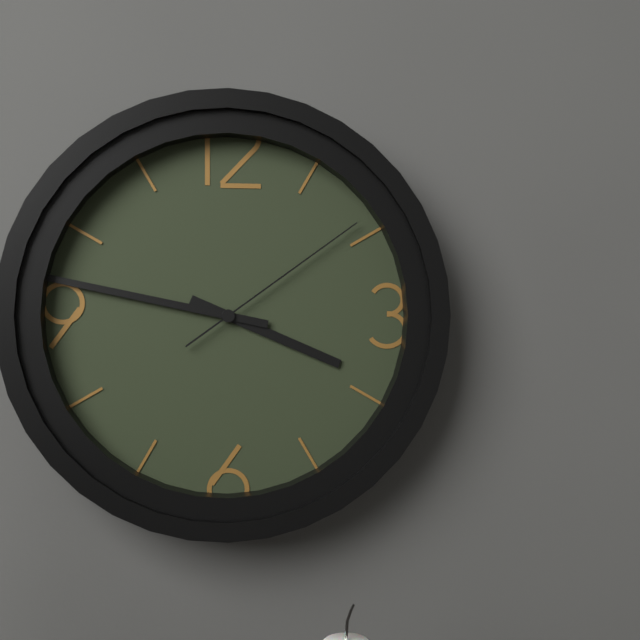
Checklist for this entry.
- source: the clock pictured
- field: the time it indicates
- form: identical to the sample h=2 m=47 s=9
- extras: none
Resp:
h=3 m=47 s=9
